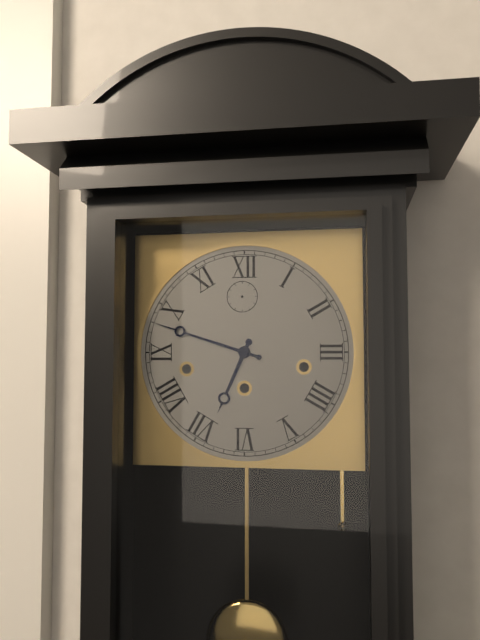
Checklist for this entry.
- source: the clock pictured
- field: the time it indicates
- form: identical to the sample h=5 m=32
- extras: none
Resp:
h=6 m=48
